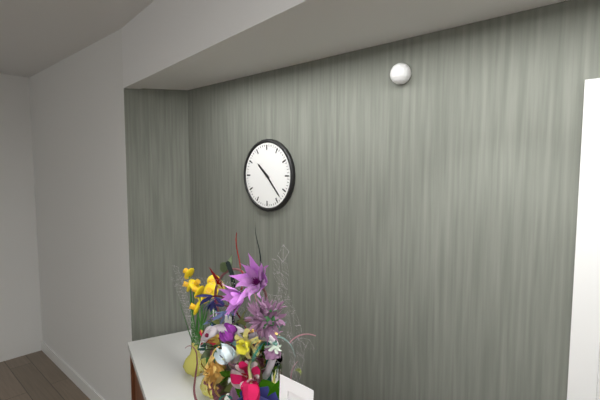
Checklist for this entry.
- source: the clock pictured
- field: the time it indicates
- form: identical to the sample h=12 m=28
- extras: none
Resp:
h=10 m=23
